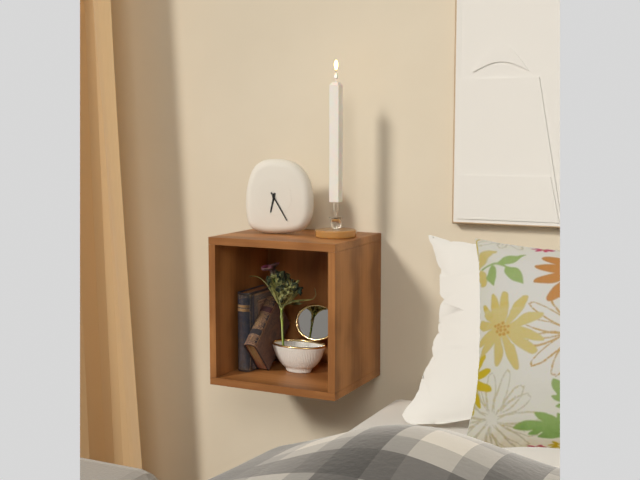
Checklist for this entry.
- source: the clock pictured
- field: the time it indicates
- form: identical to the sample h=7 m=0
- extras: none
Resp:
h=6 m=25
